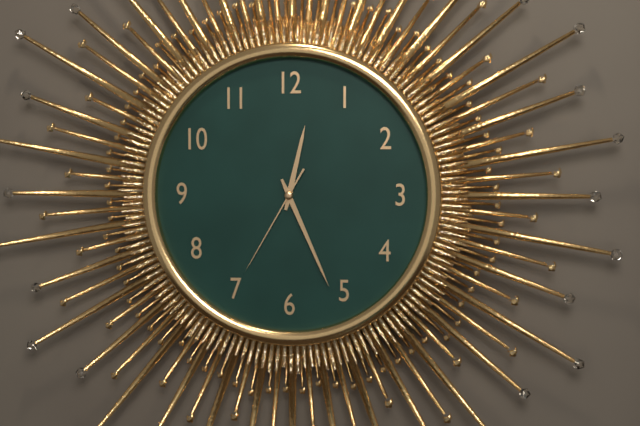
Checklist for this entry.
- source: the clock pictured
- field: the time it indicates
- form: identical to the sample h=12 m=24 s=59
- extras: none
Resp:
h=12 m=26 s=35
